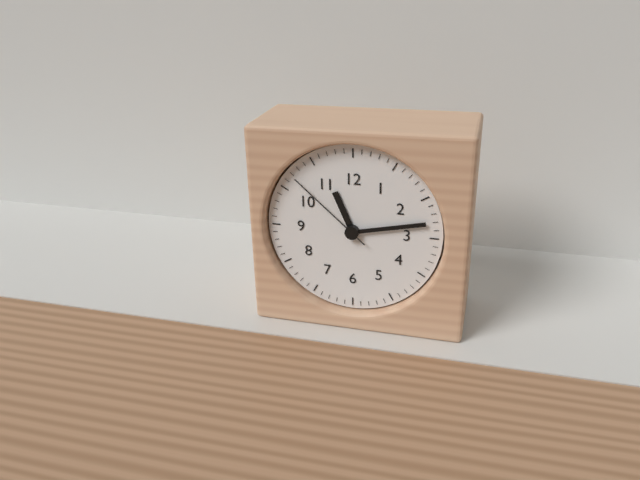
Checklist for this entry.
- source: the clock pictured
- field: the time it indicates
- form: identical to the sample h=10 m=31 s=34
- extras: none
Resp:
h=11 m=13 s=52
